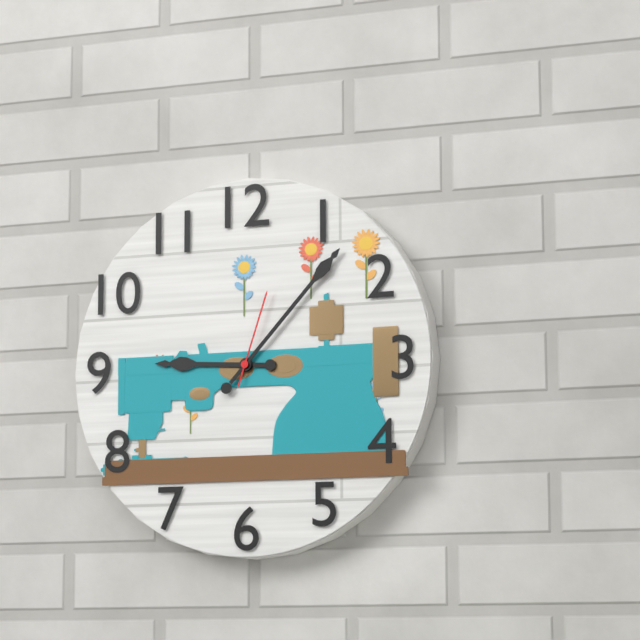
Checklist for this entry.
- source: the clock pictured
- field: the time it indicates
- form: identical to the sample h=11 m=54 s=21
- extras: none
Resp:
h=9 m=7 s=3
